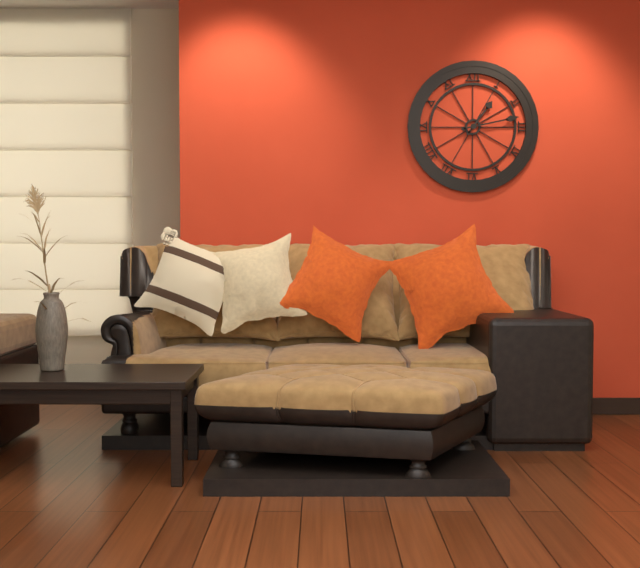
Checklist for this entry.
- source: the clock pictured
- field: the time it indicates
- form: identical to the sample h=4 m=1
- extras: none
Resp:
h=1 m=13
